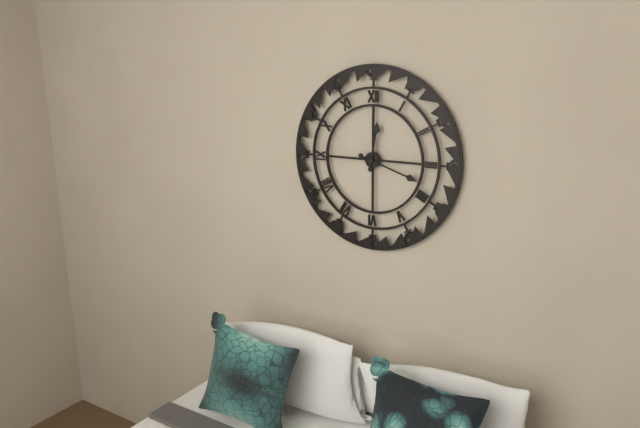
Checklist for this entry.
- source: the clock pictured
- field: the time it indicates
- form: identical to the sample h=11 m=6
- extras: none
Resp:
h=12 m=18
